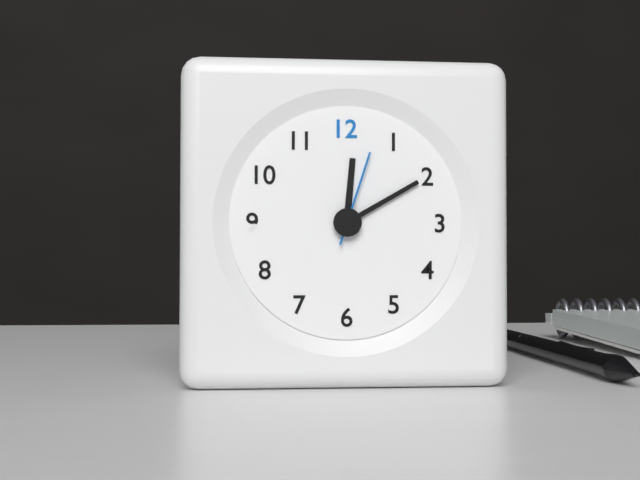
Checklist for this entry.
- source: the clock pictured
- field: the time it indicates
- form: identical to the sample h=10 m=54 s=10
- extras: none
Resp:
h=12 m=10 s=3
